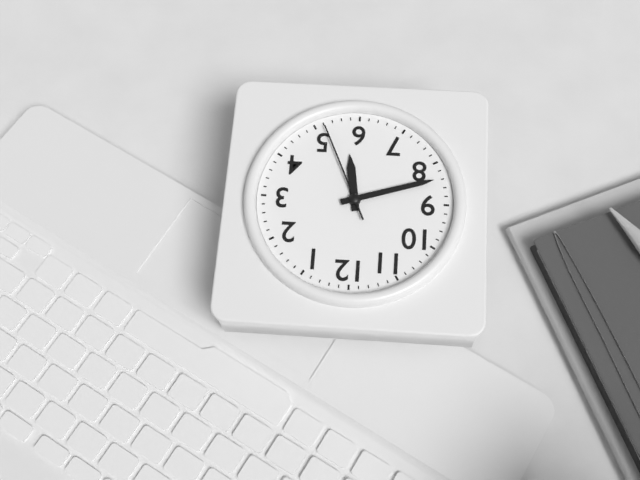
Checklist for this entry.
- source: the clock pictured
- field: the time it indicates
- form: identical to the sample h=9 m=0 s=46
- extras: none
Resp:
h=5 m=42 s=26
